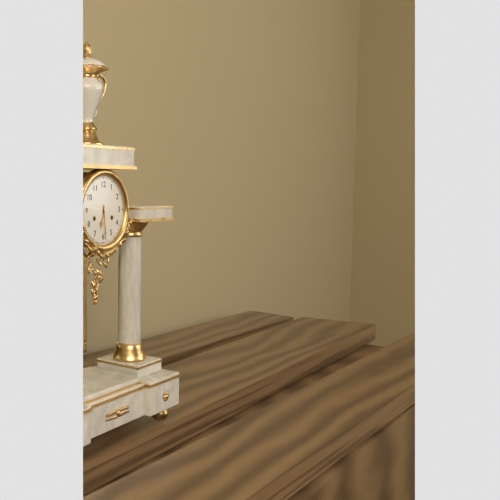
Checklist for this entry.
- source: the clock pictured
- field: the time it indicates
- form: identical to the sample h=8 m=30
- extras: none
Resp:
h=6 m=29
